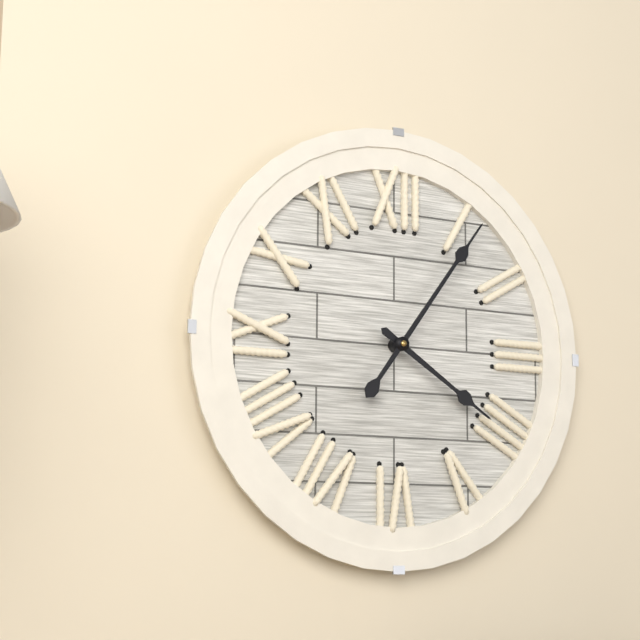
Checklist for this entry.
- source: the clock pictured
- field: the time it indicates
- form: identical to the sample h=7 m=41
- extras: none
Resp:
h=4 m=6
